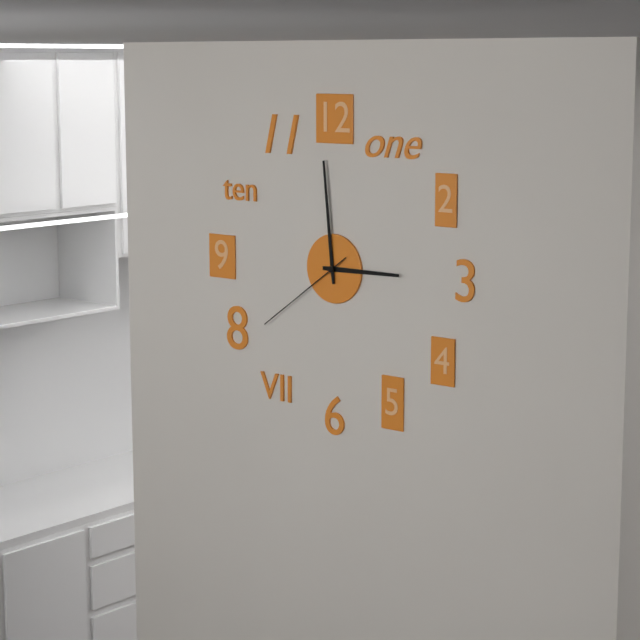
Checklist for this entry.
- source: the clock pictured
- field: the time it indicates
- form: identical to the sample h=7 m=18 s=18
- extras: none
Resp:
h=2 m=59 s=39
